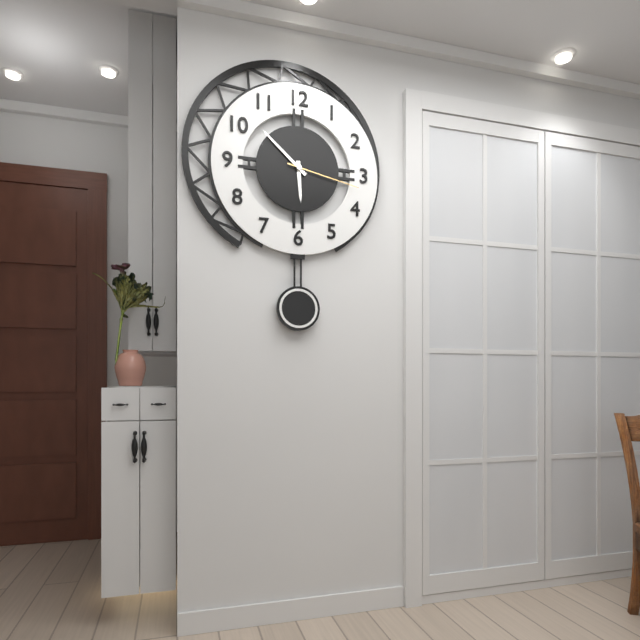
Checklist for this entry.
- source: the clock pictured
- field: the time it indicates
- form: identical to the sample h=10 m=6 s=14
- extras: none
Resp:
h=5 m=52 s=17
